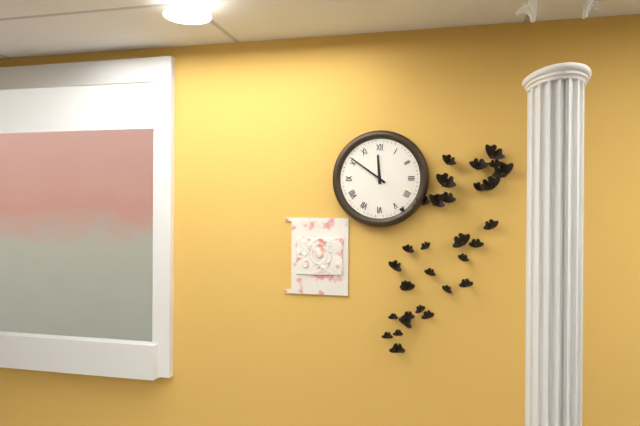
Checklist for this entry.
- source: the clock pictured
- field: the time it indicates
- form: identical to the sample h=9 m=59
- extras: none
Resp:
h=11 m=51
